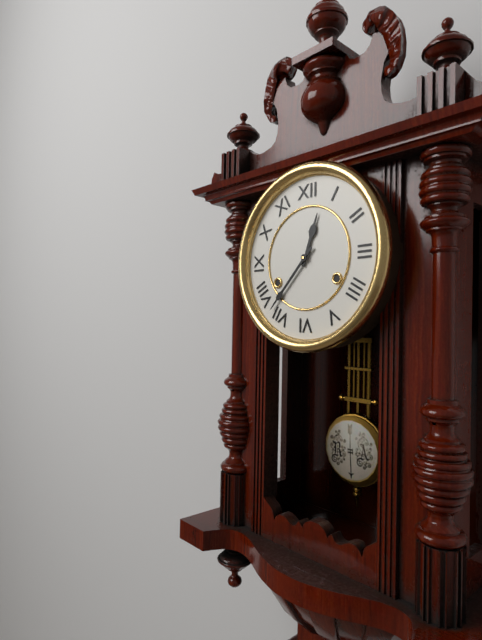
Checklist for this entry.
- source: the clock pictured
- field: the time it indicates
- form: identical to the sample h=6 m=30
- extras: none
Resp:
h=12 m=37
